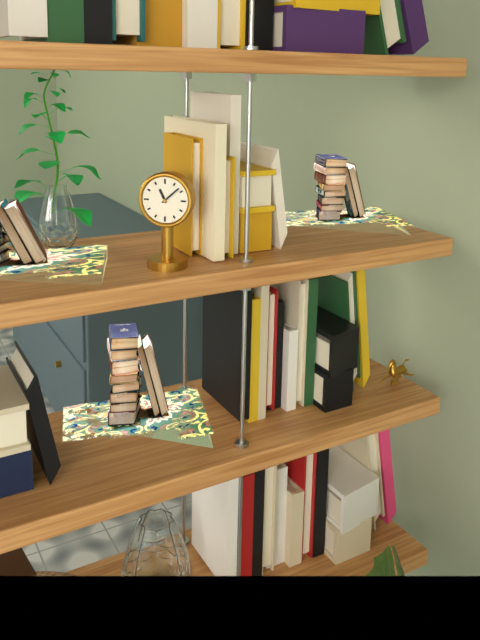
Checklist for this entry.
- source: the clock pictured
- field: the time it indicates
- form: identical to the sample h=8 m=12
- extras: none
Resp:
h=11 m=8
